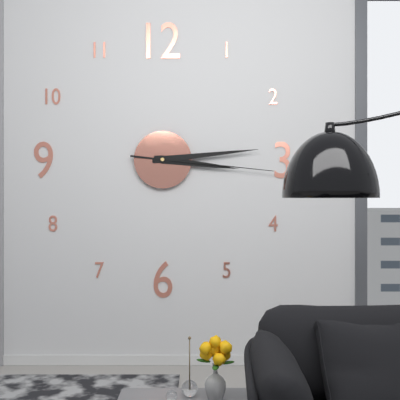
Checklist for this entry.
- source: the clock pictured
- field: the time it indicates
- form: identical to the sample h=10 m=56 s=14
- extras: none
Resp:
h=3 m=14 s=16
